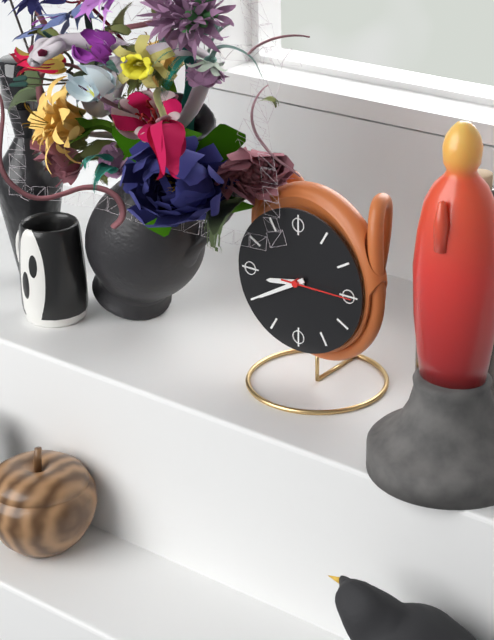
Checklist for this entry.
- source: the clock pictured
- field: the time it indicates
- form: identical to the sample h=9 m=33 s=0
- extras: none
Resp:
h=8 m=40 s=15
